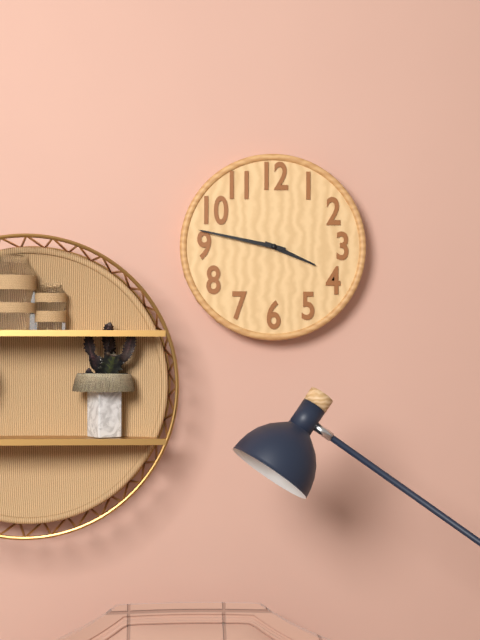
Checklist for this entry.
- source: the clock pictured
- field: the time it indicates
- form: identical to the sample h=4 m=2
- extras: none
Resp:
h=3 m=47
